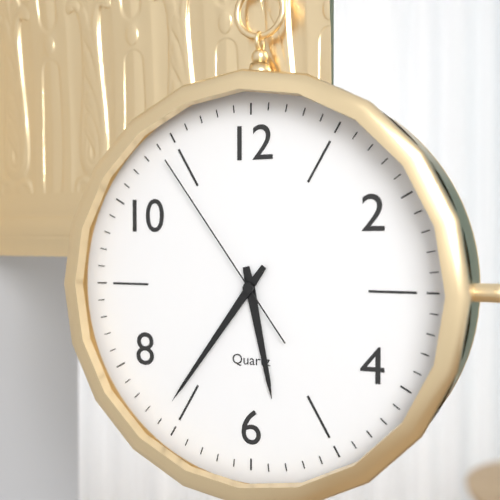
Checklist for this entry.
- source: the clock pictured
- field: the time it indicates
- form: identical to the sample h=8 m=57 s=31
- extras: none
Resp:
h=5 m=36 s=54
